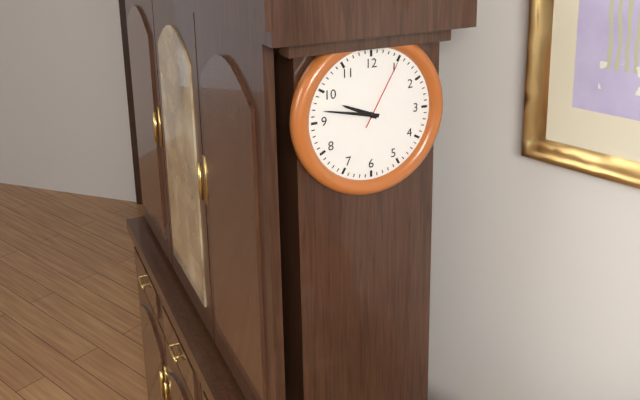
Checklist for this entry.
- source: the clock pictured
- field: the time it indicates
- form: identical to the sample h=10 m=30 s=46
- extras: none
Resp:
h=9 m=47 s=5
